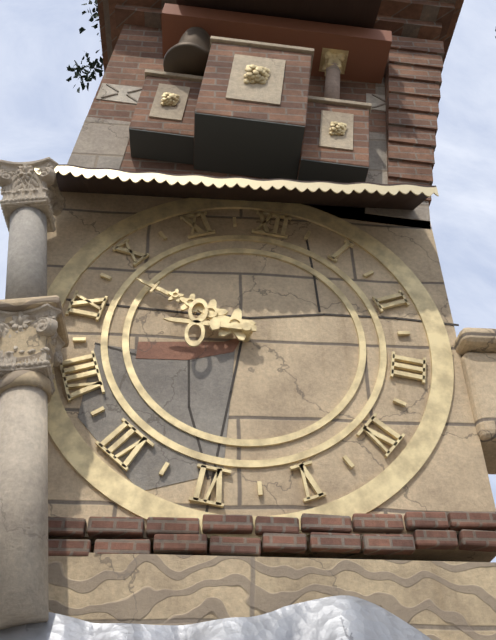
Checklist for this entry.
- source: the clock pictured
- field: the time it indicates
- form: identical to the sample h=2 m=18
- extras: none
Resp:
h=8 m=48
